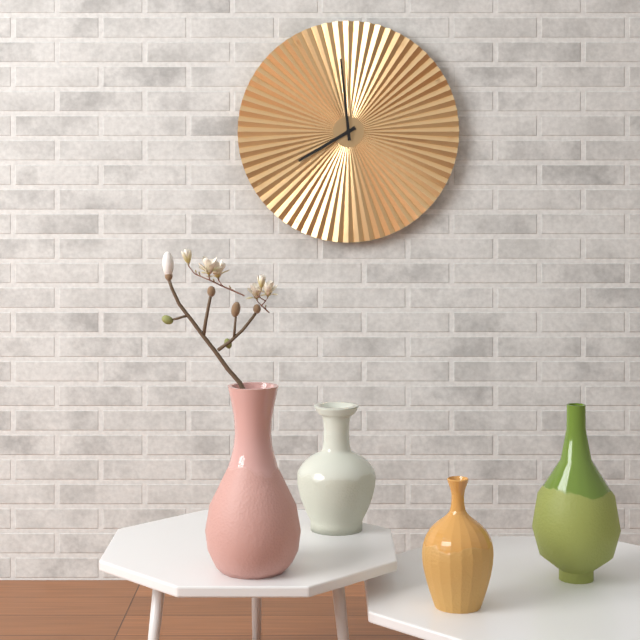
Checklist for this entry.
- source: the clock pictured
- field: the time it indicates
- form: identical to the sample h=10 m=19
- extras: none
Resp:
h=7 m=59
